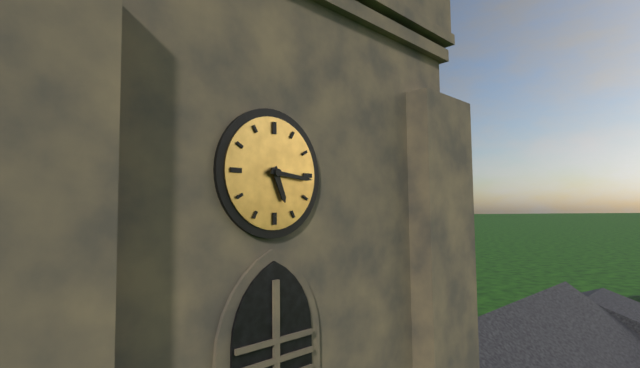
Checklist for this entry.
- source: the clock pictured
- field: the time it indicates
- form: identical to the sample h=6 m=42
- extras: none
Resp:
h=5 m=16
